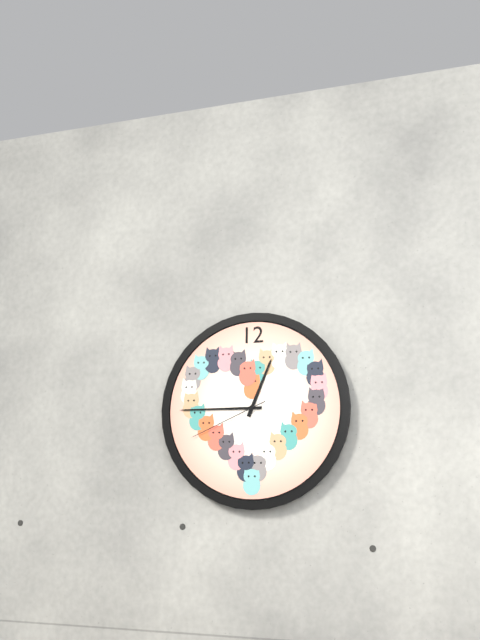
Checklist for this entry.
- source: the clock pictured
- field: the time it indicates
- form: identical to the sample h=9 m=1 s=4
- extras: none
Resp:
h=12 m=45 s=41
